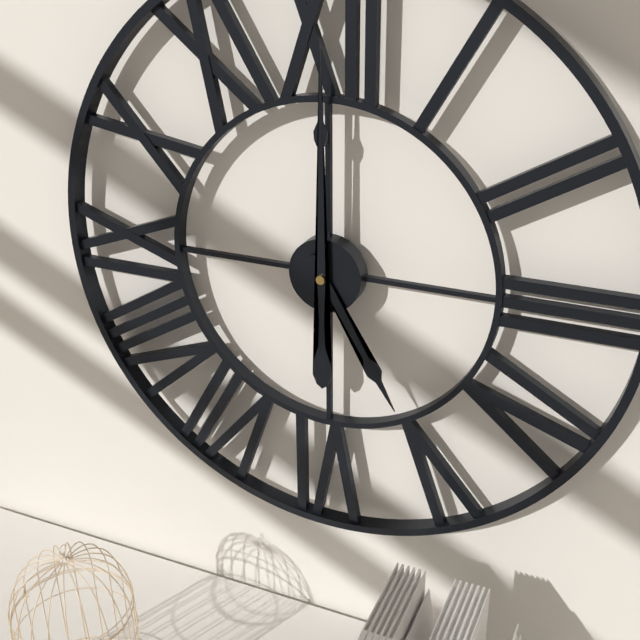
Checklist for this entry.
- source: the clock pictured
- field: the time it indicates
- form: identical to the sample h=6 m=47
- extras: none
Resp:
h=5 m=0
